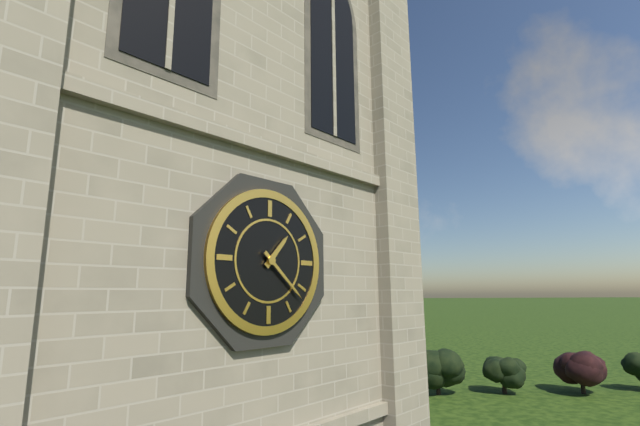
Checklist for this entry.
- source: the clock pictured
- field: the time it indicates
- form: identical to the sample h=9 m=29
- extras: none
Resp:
h=1 m=22
